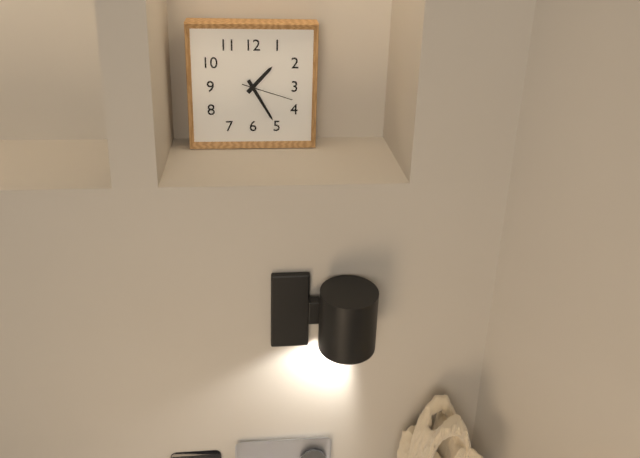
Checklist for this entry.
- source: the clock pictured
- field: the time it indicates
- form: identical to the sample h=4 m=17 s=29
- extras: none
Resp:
h=1 m=25 s=18
